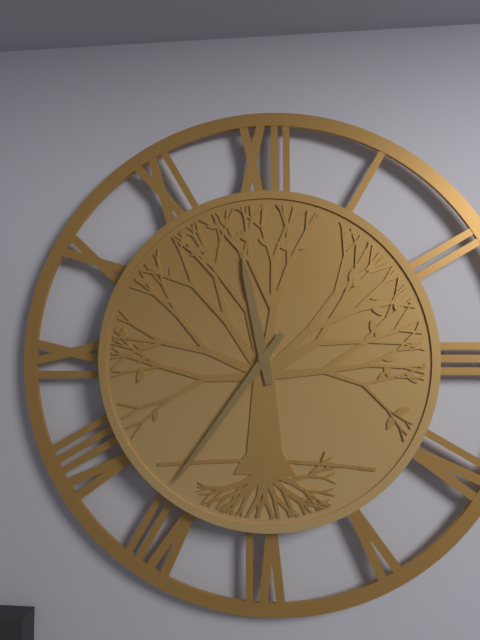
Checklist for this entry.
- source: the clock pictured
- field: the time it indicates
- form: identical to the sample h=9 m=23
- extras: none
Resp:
h=11 m=36
